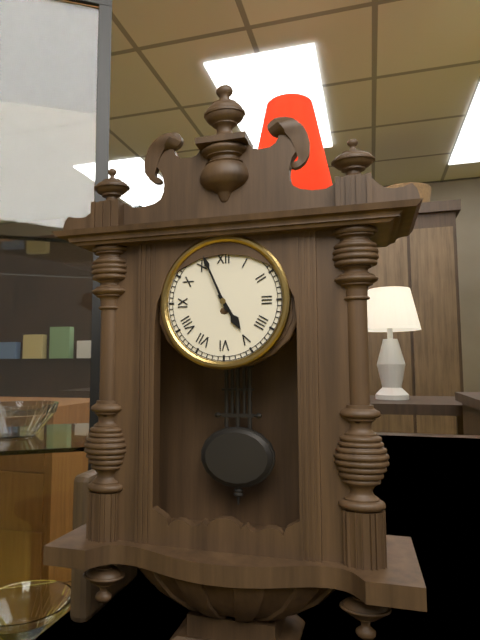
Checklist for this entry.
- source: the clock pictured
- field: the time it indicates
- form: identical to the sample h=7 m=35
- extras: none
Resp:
h=4 m=56
